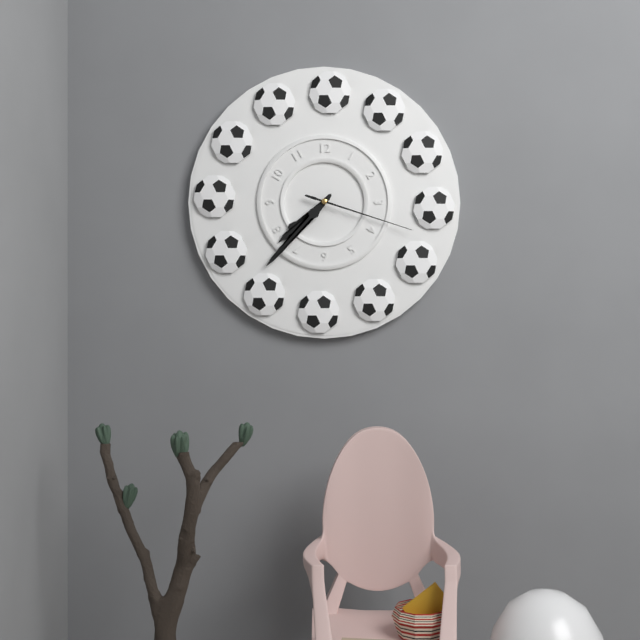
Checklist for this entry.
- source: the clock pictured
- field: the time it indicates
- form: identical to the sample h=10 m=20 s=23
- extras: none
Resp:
h=7 m=37 s=18
